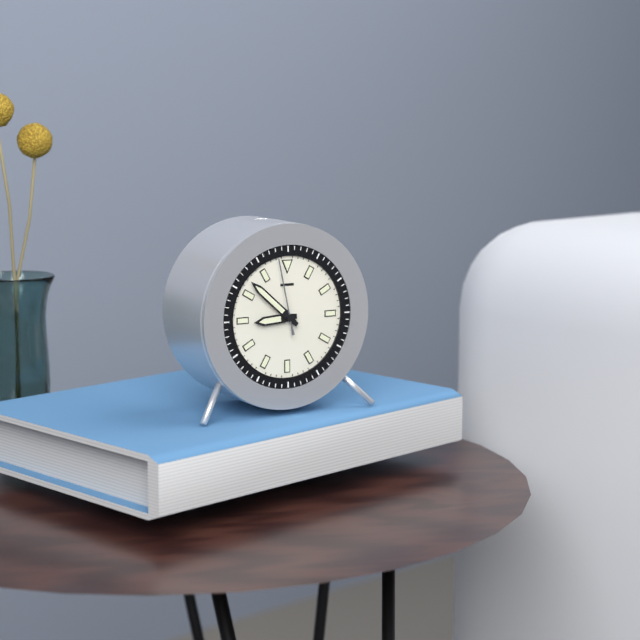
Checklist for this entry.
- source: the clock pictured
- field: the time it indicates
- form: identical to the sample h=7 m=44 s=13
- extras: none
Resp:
h=8 m=52 s=58
